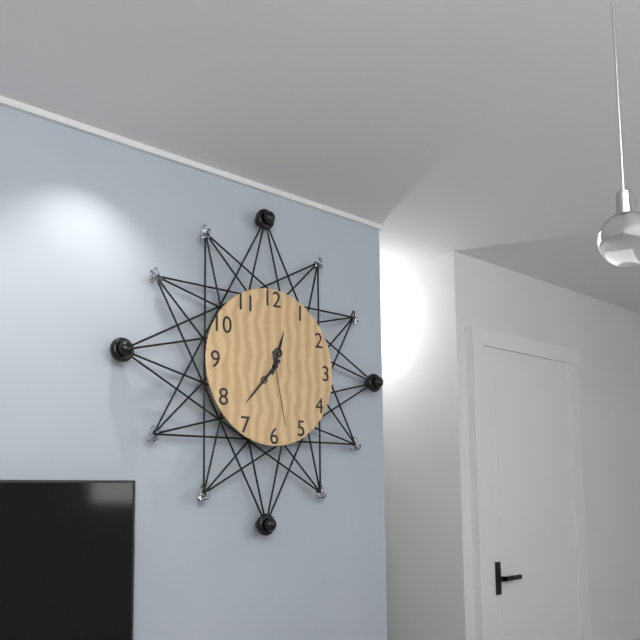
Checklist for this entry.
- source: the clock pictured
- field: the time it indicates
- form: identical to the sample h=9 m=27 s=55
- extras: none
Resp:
h=12 m=37 s=28
